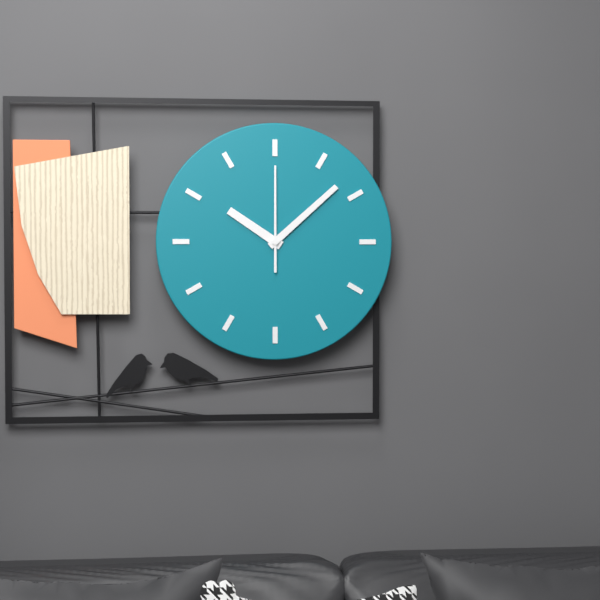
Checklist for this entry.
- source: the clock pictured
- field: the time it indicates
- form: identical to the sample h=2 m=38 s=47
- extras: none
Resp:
h=10 m=8 s=0
